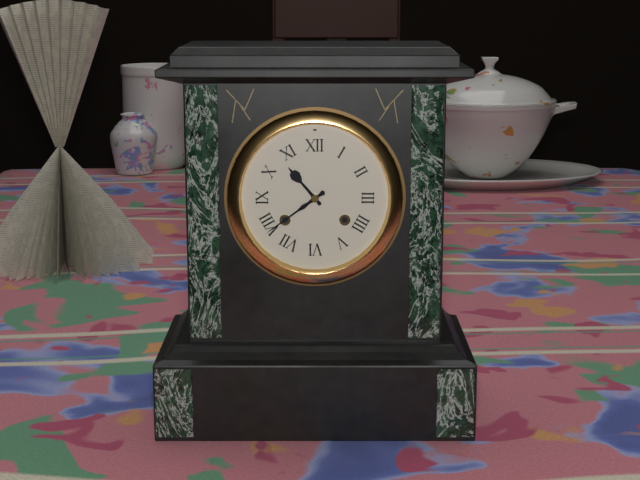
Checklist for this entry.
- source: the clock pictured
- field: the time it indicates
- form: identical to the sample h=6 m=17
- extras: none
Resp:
h=10 m=39
